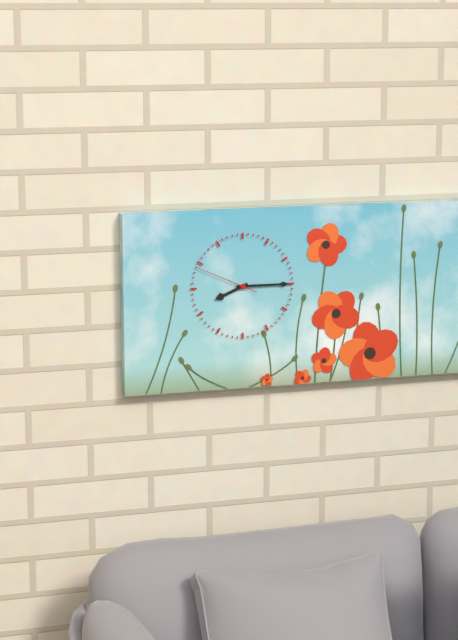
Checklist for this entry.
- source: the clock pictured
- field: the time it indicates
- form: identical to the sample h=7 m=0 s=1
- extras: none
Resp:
h=8 m=15 s=49
